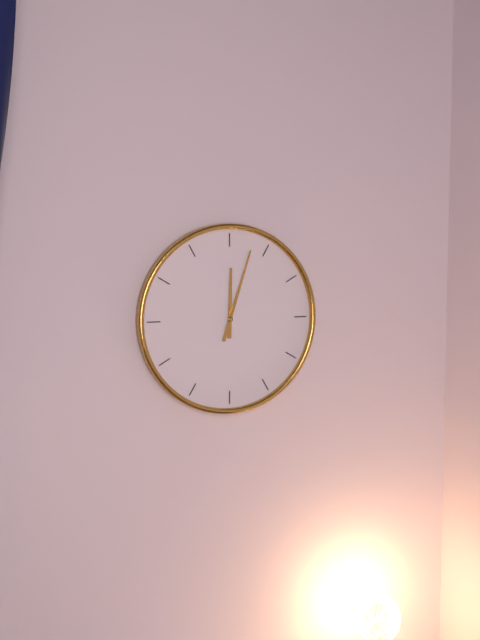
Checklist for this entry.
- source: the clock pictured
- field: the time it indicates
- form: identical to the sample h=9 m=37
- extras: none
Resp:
h=12 m=3
